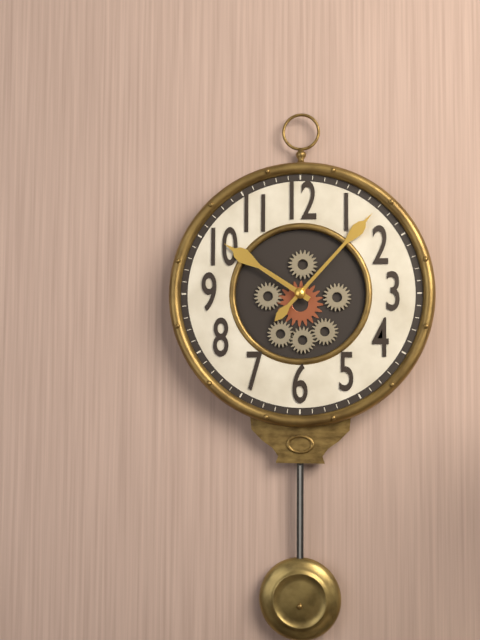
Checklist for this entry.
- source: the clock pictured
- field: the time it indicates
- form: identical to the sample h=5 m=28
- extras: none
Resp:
h=10 m=7
